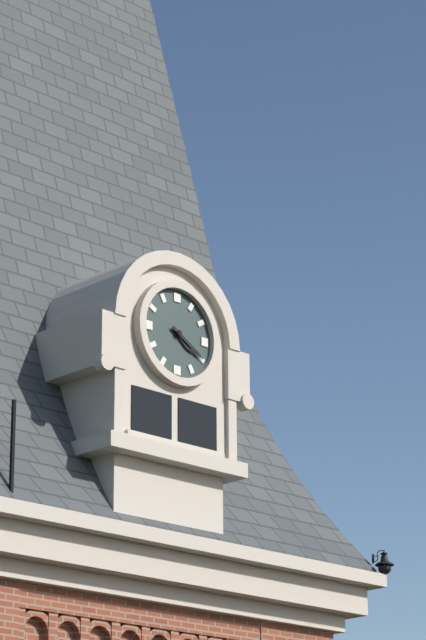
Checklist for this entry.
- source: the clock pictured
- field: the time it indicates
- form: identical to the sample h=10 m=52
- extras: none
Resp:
h=4 m=20
